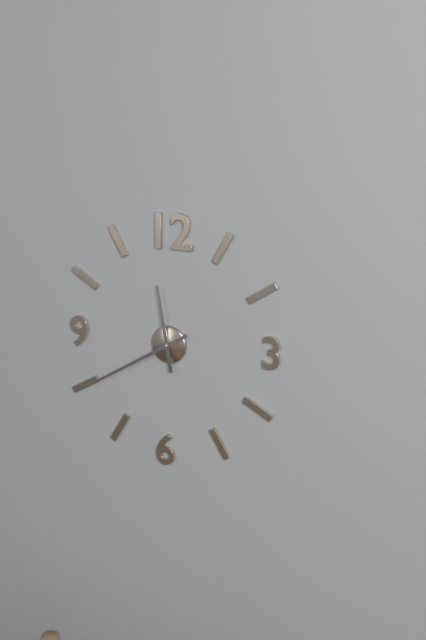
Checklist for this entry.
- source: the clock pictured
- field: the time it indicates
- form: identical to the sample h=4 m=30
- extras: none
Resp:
h=11 m=40
